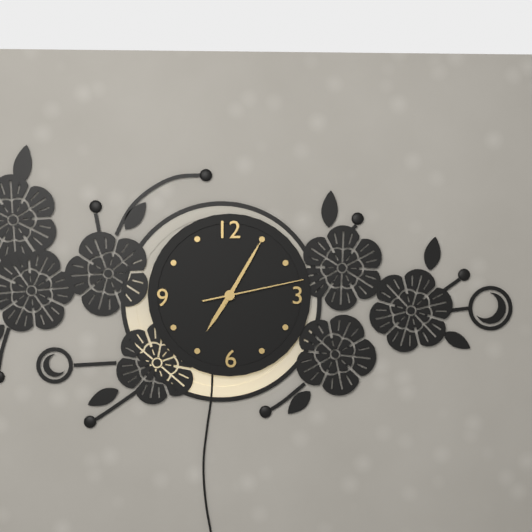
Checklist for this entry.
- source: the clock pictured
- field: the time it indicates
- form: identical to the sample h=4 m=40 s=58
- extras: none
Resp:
h=7 m=5 s=13
